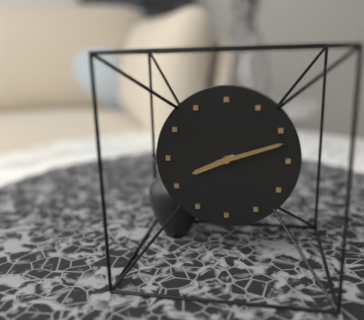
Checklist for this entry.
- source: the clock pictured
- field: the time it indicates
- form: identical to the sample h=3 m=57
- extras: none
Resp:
h=8 m=12
